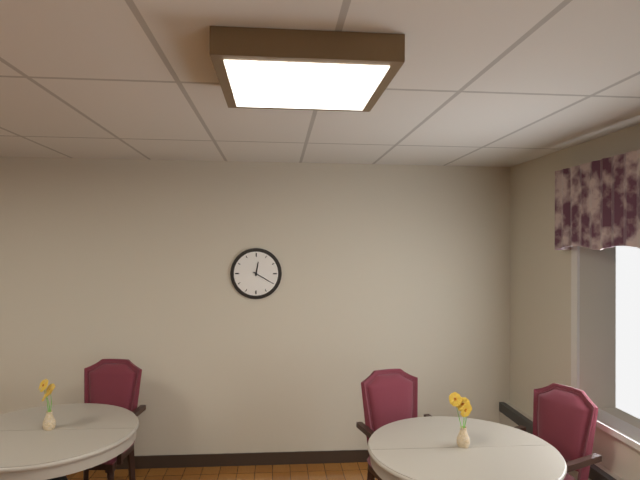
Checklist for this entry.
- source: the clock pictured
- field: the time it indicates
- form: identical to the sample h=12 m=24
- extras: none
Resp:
h=12 m=20
